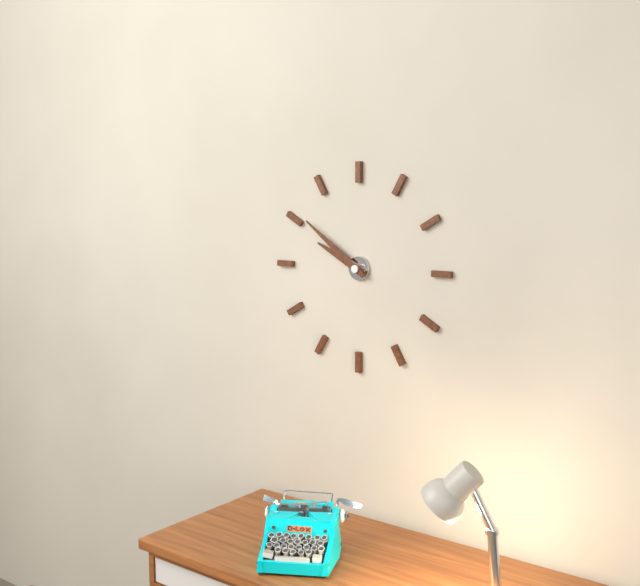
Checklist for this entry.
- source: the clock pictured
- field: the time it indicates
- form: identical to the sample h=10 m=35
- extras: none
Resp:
h=9 m=51
